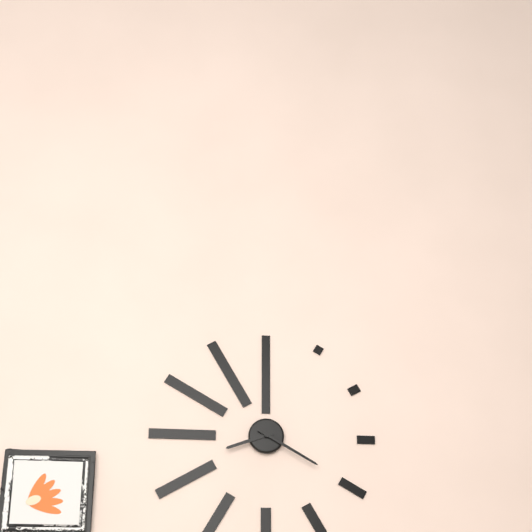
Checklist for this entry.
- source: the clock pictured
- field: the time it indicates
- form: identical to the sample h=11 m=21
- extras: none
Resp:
h=8 m=20
